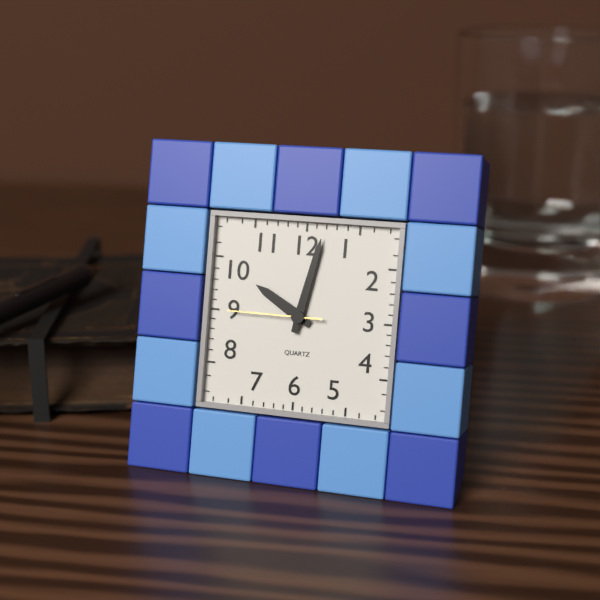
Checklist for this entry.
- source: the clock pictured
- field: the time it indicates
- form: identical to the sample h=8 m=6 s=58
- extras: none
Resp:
h=10 m=2 s=45
